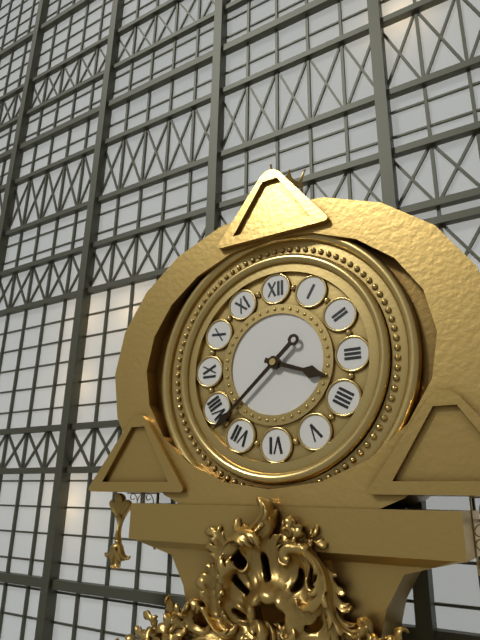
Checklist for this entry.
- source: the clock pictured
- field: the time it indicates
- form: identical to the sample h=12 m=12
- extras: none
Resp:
h=3 m=38
